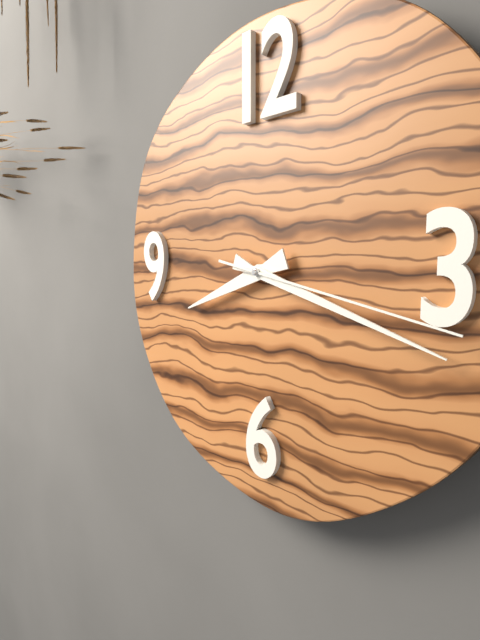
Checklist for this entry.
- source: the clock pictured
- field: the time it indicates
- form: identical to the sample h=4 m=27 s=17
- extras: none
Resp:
h=8 m=18 s=17
